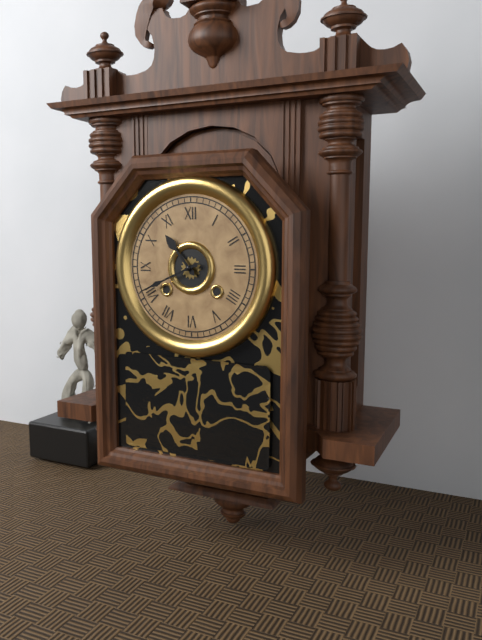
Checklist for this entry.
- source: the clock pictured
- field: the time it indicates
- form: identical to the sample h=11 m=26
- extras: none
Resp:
h=10 m=41
